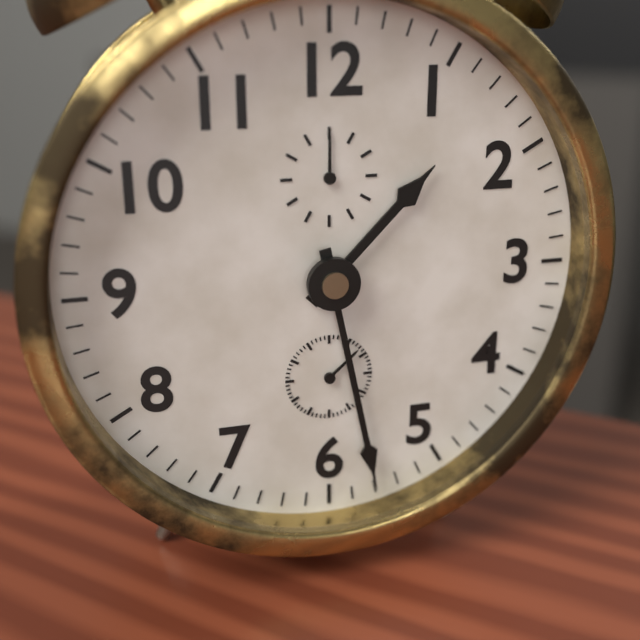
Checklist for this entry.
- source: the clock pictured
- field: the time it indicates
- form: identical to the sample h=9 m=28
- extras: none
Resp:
h=1 m=28
